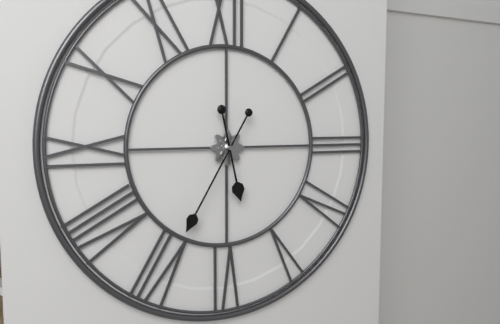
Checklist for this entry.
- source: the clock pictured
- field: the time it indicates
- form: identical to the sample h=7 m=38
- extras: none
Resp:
h=5 m=35
